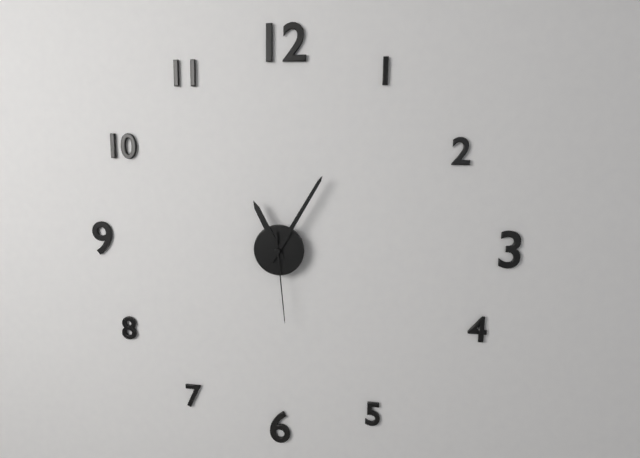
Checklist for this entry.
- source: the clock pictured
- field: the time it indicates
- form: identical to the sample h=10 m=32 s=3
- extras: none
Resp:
h=11 m=5 s=29
